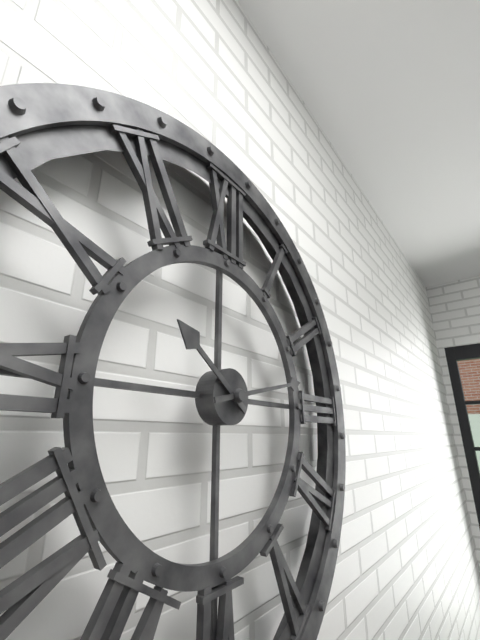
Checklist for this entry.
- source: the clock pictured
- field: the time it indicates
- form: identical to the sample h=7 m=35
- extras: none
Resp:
h=10 m=13
